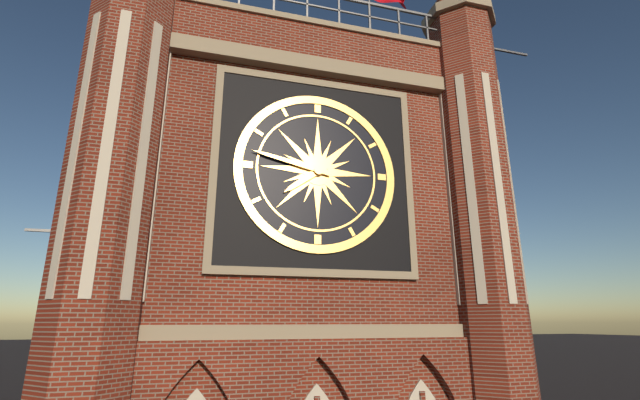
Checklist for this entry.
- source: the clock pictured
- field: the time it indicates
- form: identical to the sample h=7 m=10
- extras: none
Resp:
h=7 m=47
